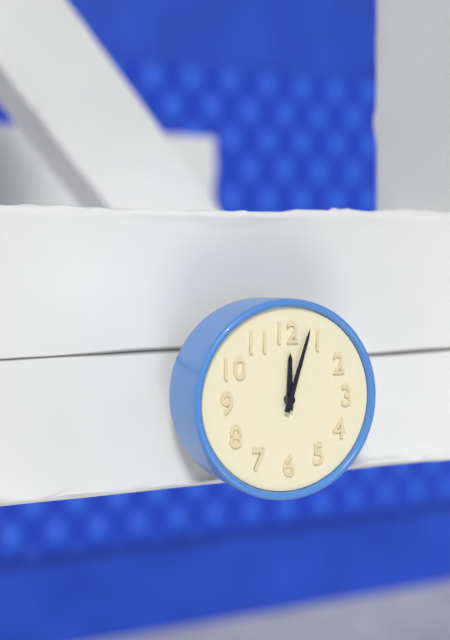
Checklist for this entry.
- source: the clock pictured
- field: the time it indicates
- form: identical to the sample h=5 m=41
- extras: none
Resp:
h=12 m=3
